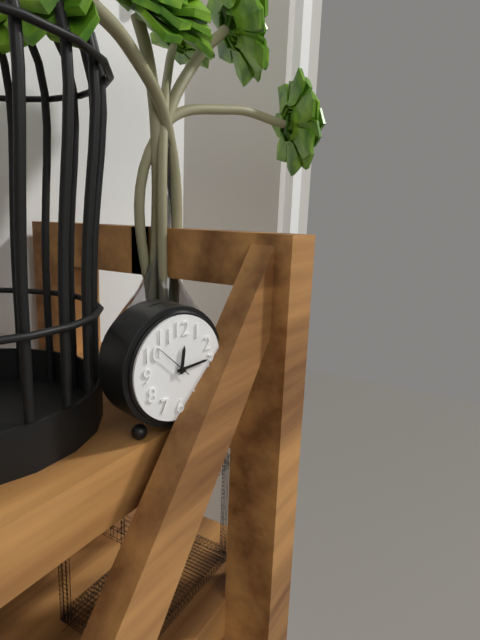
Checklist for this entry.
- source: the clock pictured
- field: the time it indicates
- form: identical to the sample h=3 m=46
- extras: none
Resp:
h=12 m=14
